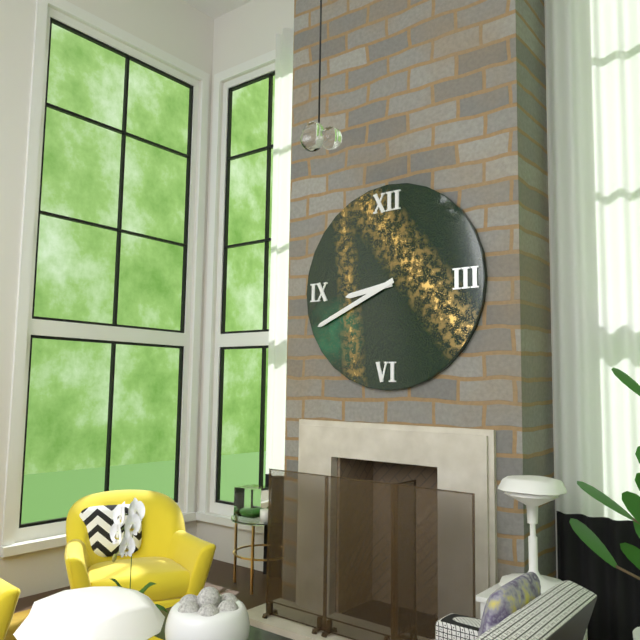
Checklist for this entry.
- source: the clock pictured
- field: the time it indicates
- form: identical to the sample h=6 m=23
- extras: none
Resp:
h=8 m=41
